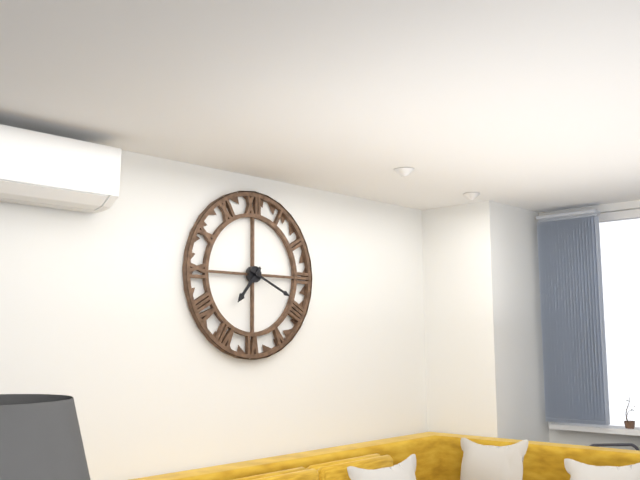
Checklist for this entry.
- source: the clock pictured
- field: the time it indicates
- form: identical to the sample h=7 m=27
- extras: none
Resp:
h=7 m=19
